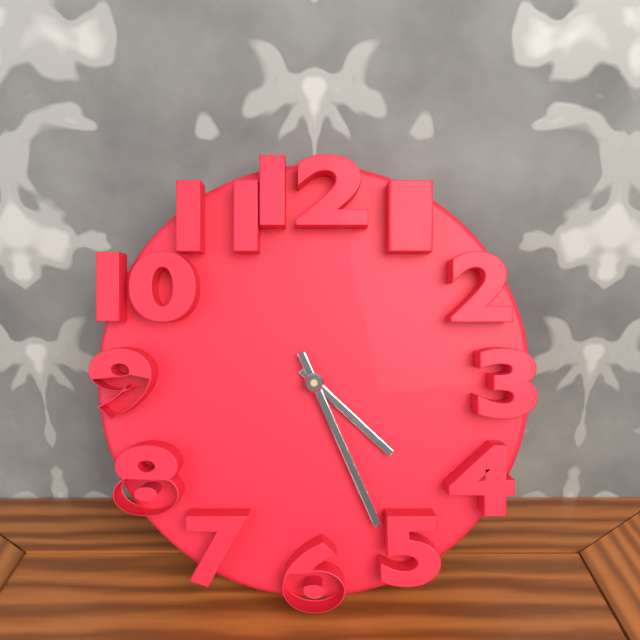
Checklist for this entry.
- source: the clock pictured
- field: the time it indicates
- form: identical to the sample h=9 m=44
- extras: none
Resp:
h=4 m=26
